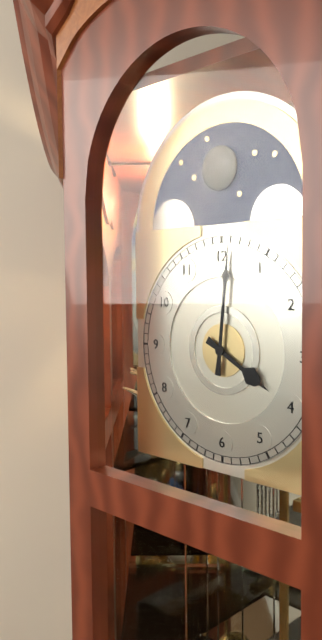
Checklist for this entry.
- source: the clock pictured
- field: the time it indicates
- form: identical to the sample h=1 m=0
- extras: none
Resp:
h=4 m=1
